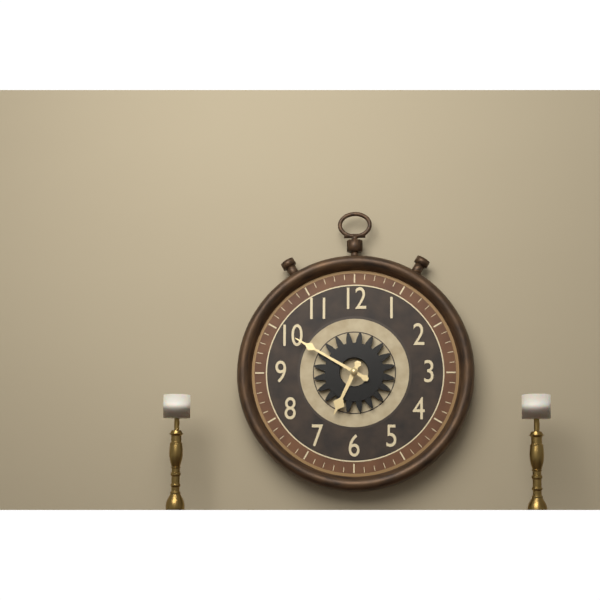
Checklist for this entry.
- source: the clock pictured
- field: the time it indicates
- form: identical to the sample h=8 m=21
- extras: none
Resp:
h=6 m=50
